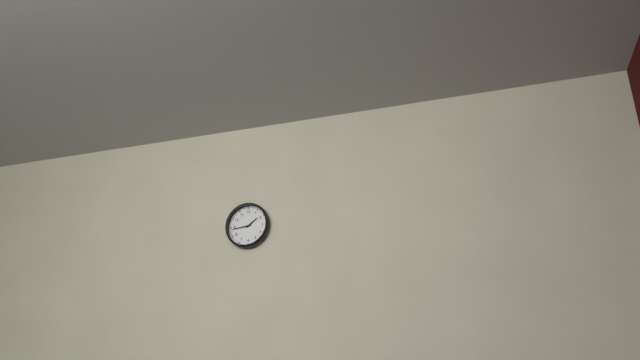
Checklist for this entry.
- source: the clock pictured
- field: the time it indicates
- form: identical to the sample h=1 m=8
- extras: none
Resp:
h=1 m=44
